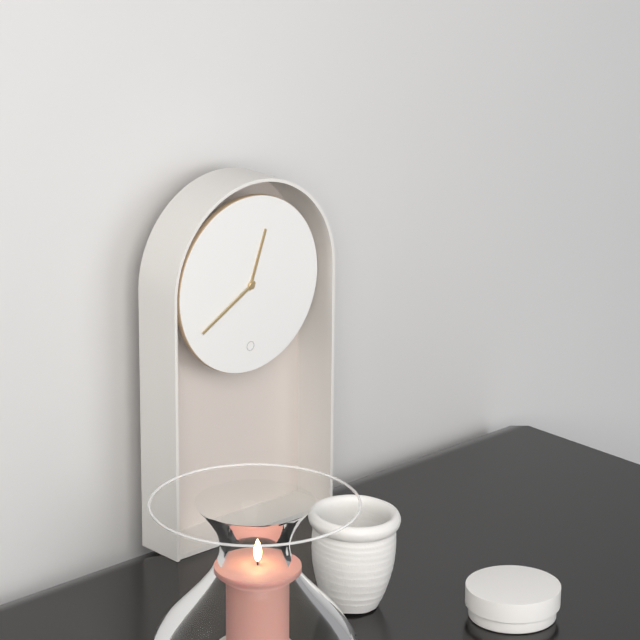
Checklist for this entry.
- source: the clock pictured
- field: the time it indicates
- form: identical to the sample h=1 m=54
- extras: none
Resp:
h=12 m=40
